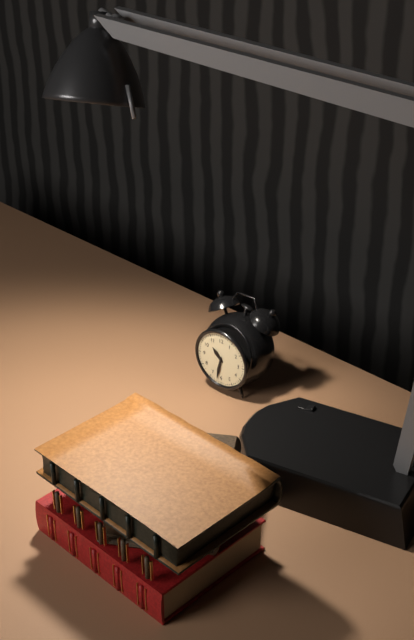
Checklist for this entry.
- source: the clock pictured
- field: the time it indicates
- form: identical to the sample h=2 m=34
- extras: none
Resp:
h=10 m=32
